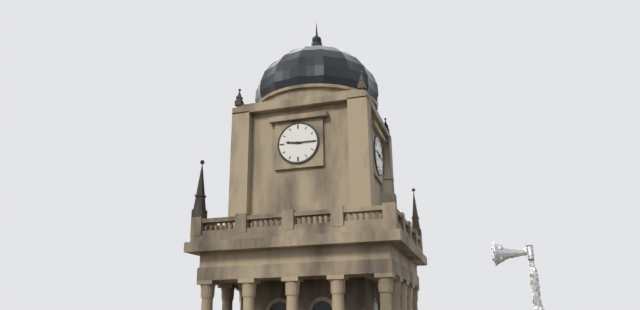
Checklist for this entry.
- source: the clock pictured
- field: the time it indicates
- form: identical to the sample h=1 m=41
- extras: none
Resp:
h=9 m=15
